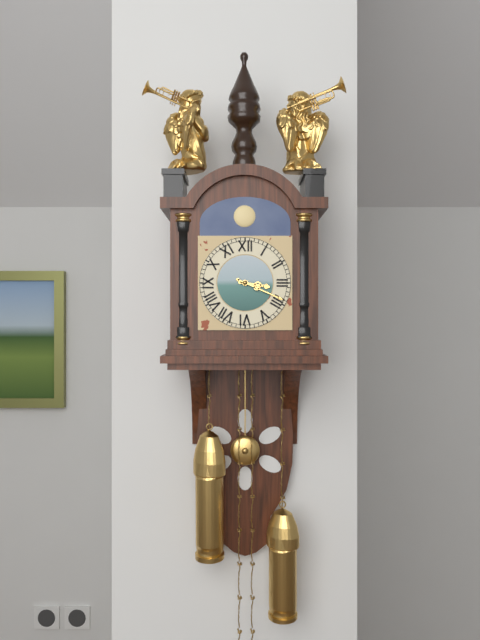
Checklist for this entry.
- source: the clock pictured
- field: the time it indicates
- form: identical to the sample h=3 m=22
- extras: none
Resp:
h=3 m=19
